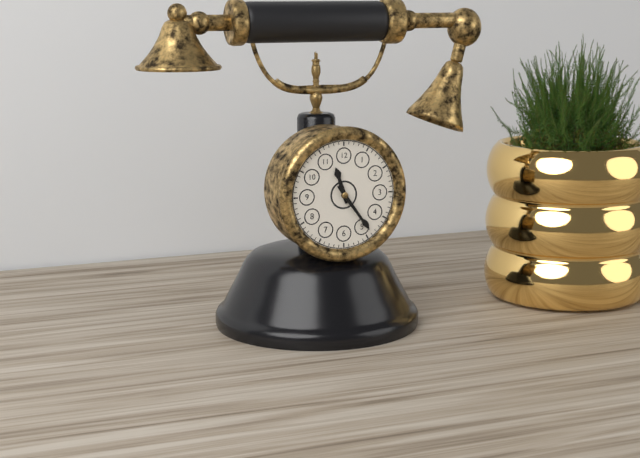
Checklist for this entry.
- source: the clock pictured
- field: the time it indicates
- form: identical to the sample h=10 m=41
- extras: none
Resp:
h=11 m=24
